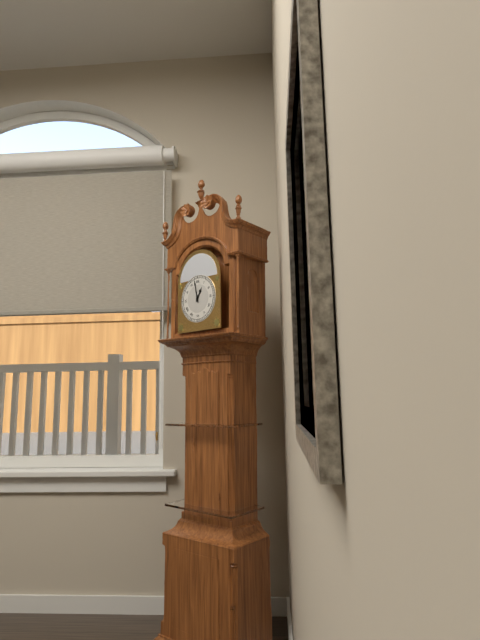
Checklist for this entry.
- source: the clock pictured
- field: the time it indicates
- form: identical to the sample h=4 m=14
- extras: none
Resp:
h=12 m=58
